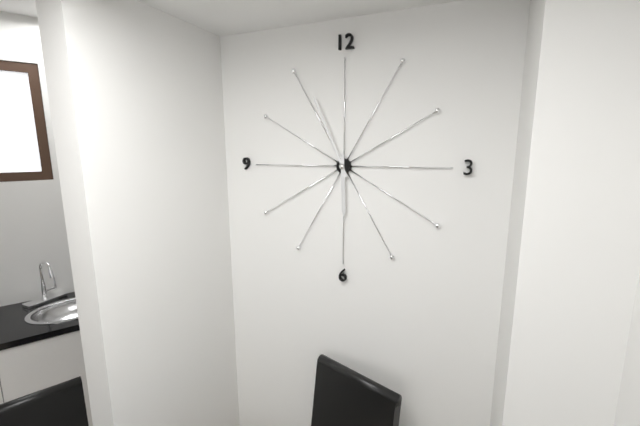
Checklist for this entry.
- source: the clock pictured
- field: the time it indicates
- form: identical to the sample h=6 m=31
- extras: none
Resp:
h=5 m=56
